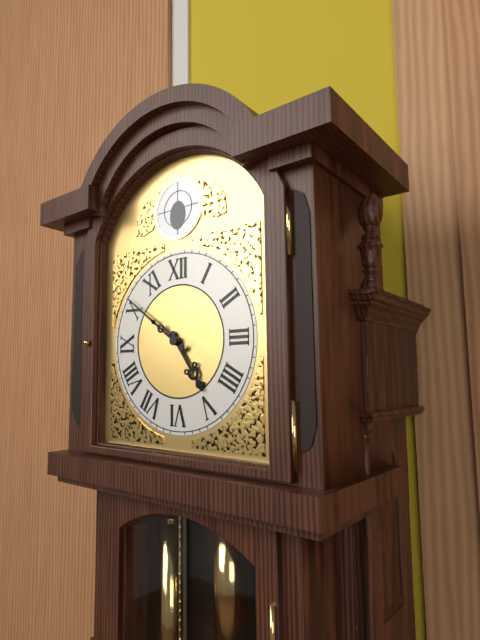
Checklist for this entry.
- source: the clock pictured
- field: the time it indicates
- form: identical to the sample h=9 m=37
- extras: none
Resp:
h=4 m=51
